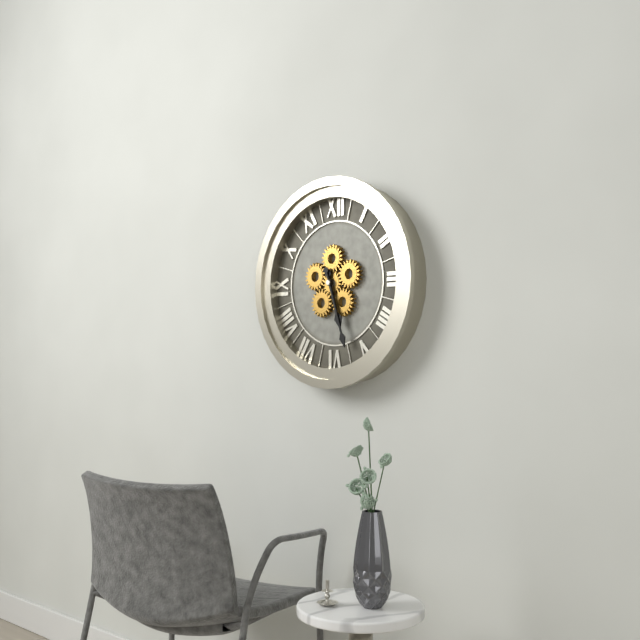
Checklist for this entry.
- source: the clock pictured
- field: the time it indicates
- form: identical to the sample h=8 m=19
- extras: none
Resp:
h=5 m=27
